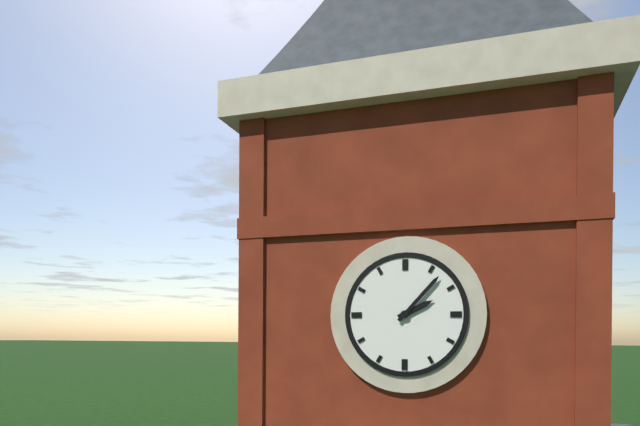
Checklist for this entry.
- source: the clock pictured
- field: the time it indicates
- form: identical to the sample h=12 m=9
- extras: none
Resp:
h=2 m=7
